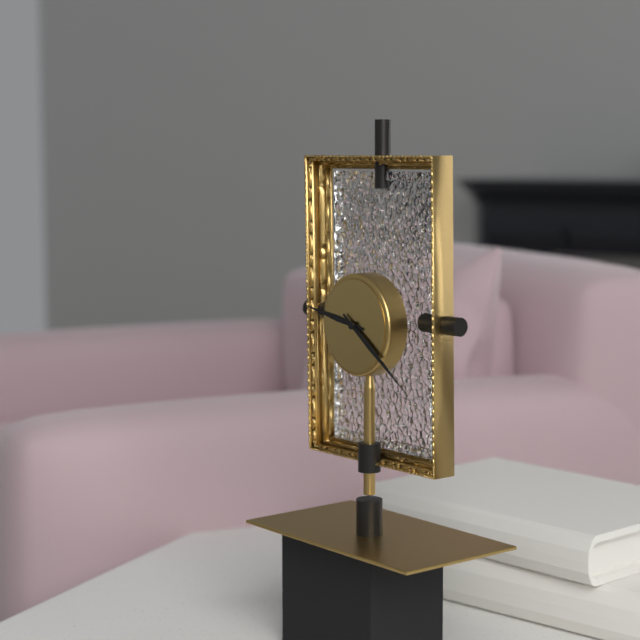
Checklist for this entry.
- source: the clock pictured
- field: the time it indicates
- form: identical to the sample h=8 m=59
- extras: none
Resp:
h=9 m=21
